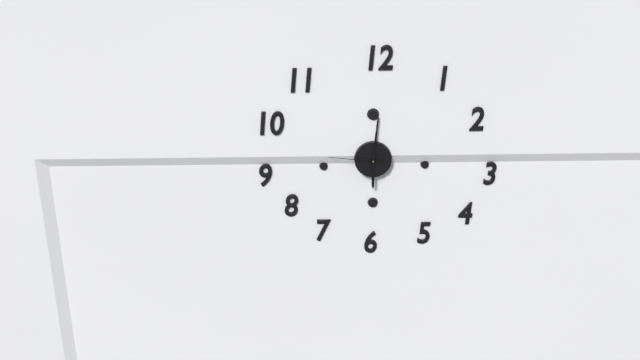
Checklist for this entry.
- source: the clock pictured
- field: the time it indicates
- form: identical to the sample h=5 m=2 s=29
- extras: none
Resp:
h=6 m=1 s=46
